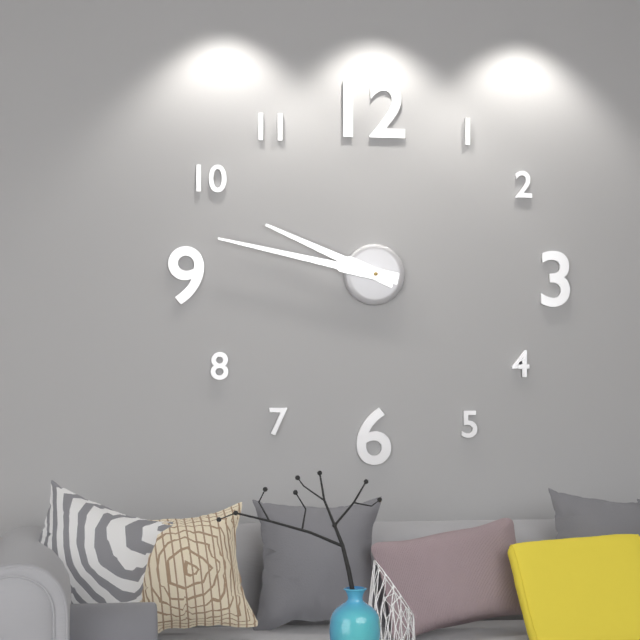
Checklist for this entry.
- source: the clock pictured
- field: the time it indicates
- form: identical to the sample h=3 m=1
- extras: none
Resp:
h=9 m=47
